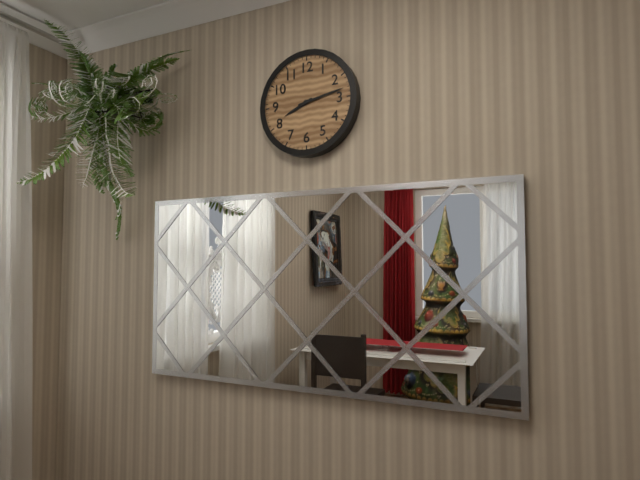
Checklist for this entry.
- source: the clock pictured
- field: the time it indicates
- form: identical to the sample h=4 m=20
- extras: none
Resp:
h=8 m=13
